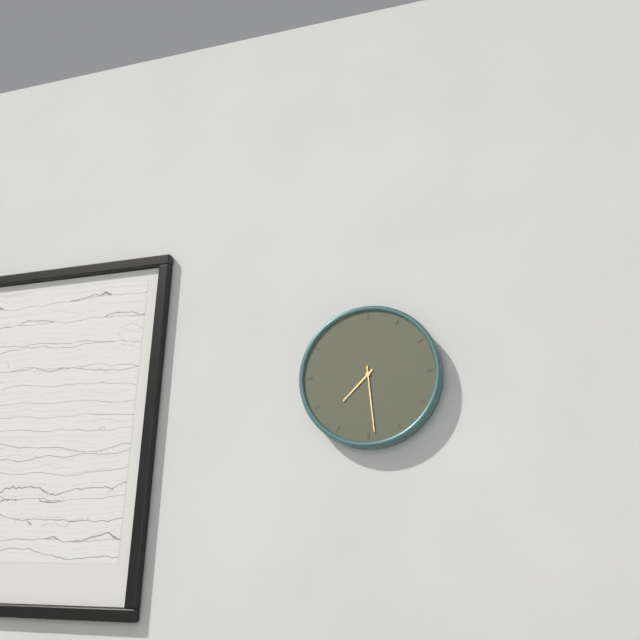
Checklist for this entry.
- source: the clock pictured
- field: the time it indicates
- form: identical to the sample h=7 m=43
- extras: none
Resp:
h=7 m=29
